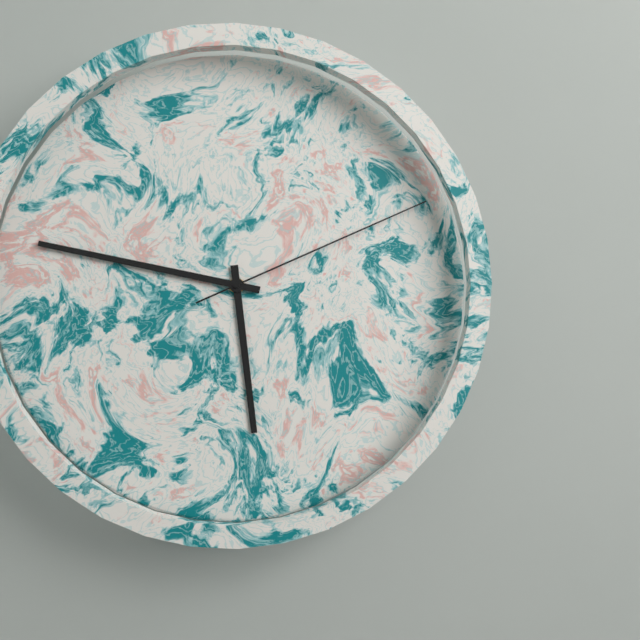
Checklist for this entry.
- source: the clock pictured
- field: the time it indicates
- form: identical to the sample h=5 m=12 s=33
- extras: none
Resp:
h=5 m=47 s=11
